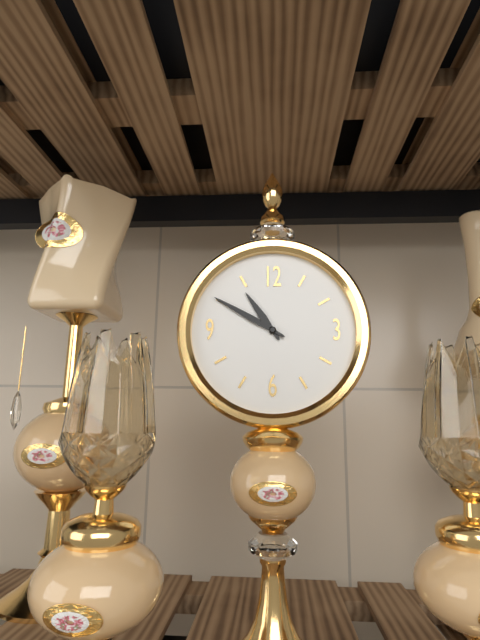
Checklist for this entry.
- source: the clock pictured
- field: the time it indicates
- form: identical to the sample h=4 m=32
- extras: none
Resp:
h=10 m=50
